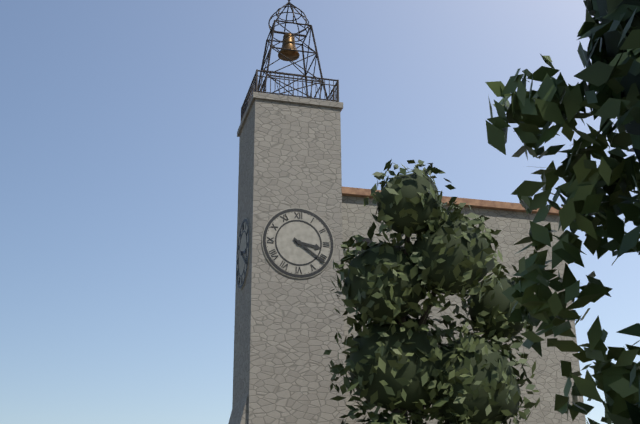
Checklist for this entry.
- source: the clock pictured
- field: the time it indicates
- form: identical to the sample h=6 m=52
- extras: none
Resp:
h=3 m=21
